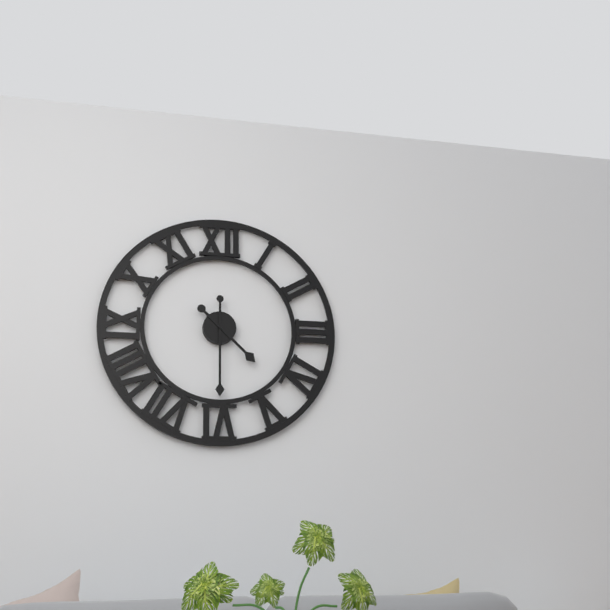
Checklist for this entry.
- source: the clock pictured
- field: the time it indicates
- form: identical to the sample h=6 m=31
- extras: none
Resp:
h=4 m=30
